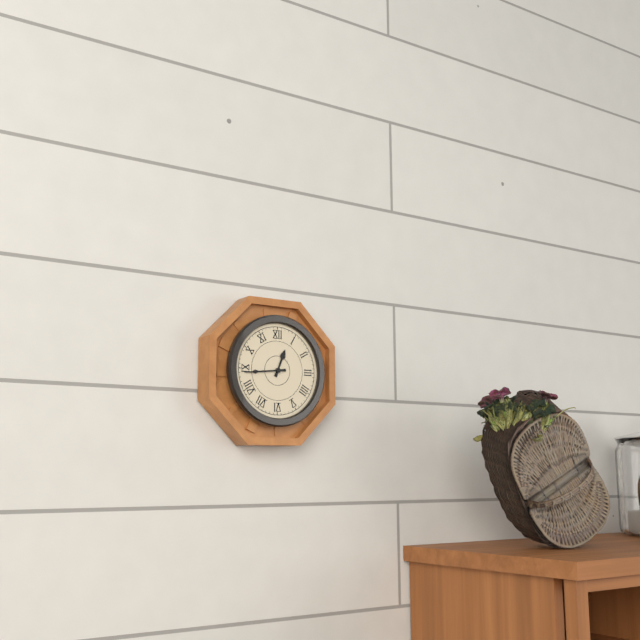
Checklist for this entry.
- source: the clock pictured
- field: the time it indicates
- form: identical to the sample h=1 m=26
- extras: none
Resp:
h=12 m=44
